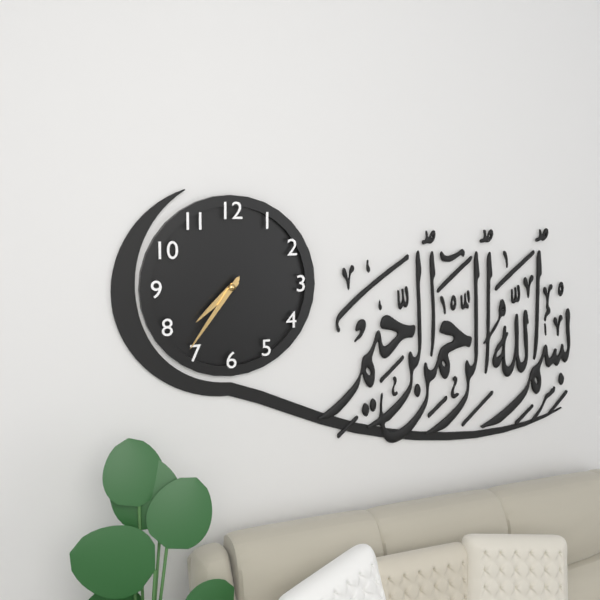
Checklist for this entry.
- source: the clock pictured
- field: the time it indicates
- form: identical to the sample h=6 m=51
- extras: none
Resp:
h=7 m=36
